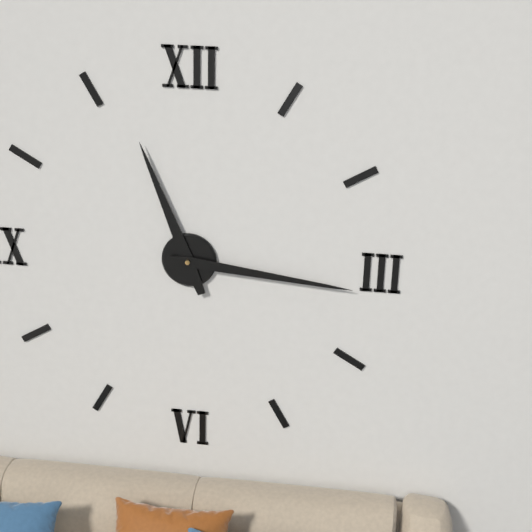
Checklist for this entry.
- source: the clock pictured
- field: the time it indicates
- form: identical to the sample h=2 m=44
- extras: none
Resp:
h=11 m=16
